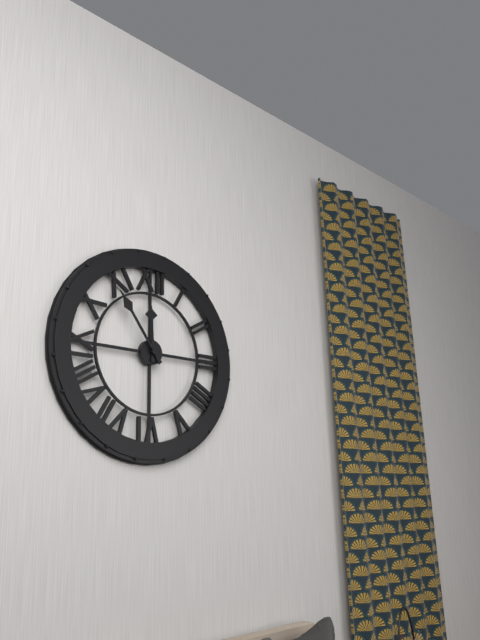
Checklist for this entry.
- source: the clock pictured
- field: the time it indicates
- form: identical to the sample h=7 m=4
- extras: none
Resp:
h=11 m=54
